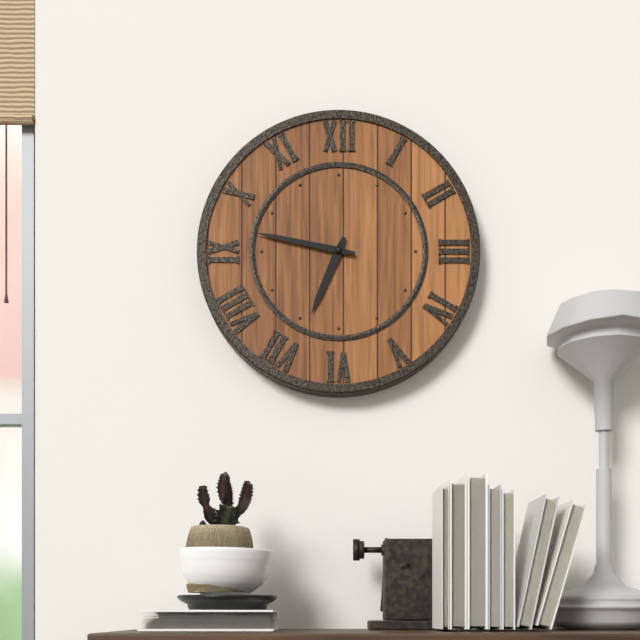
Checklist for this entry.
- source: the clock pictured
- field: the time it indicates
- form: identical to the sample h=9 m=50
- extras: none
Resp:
h=6 m=47
